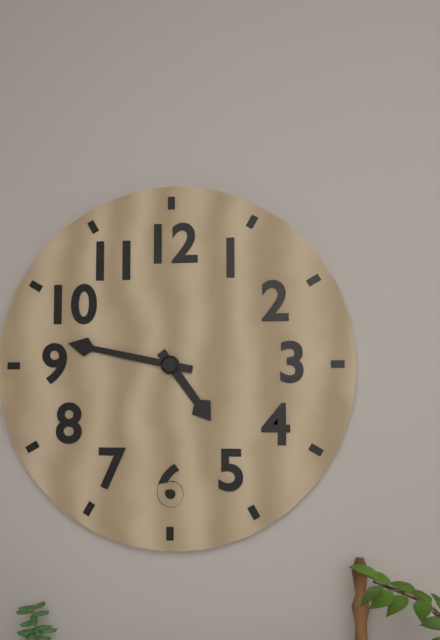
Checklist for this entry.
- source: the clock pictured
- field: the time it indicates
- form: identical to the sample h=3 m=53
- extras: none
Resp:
h=4 m=47
